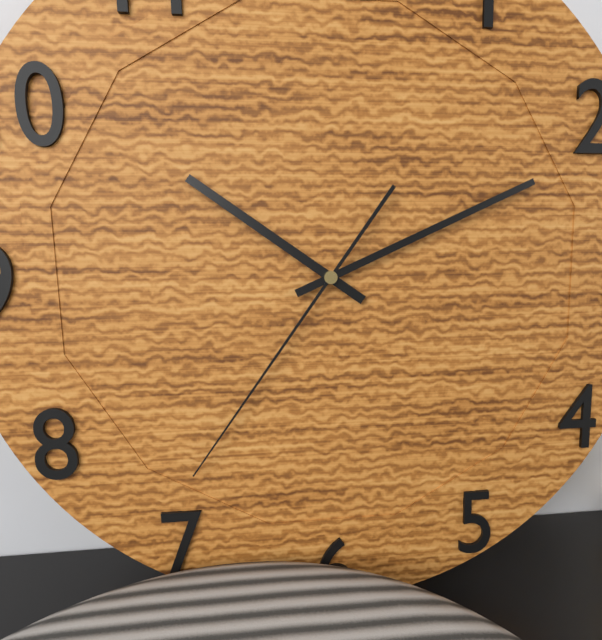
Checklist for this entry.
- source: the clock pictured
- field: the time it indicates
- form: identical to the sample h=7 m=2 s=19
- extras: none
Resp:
h=10 m=11 s=36
